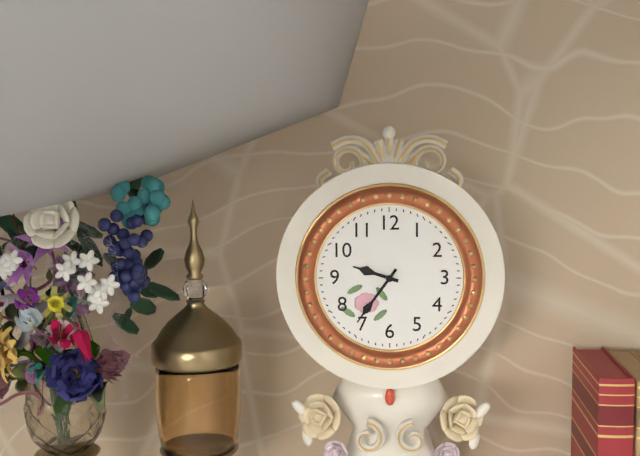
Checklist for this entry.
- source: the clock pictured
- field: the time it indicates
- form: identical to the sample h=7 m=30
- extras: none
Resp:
h=9 m=36
